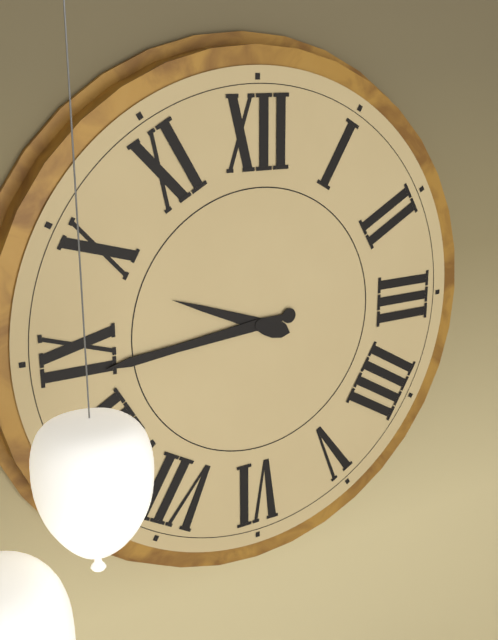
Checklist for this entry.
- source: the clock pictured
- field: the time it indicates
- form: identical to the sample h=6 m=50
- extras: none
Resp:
h=9 m=44
